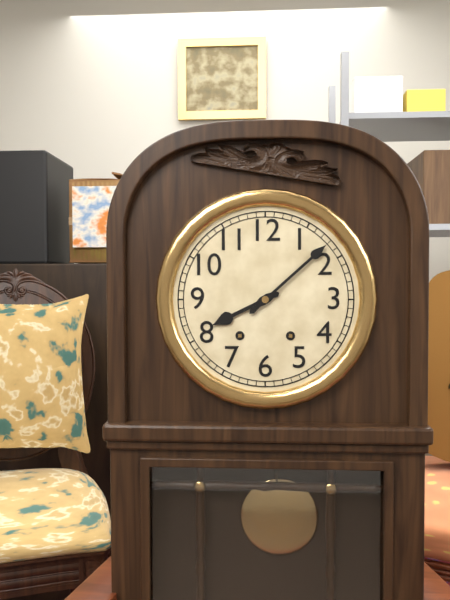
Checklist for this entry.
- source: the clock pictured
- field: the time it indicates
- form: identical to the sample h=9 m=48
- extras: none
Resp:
h=8 m=8
